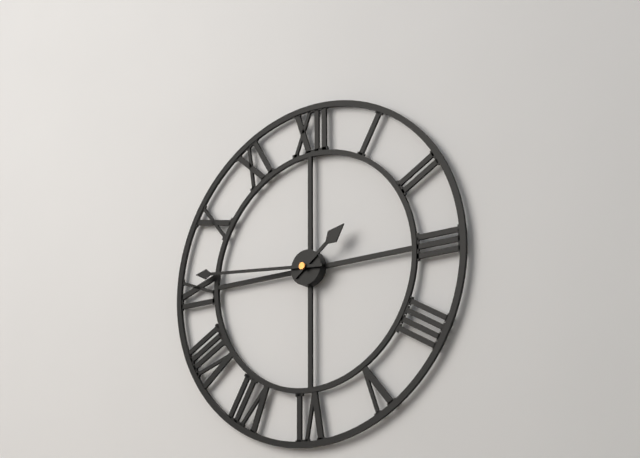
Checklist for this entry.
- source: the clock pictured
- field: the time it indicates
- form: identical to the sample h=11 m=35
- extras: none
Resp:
h=1 m=46
